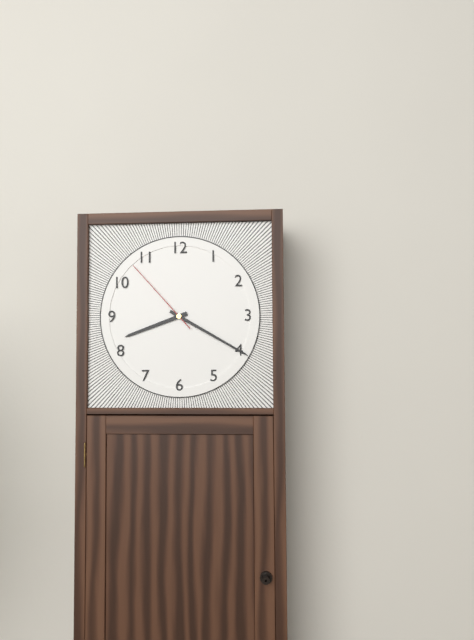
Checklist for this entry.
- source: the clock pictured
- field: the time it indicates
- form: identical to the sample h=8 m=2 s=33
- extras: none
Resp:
h=8 m=20 s=53
